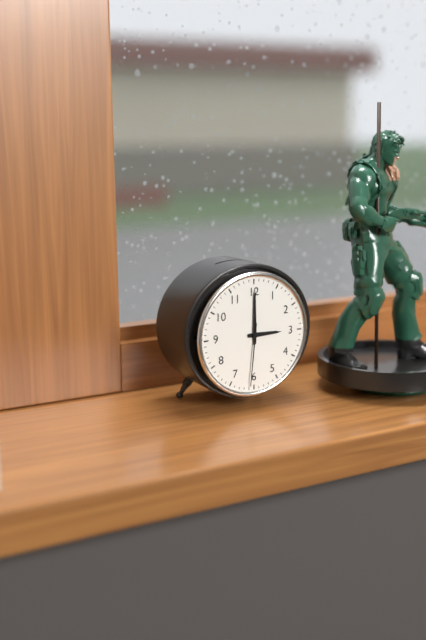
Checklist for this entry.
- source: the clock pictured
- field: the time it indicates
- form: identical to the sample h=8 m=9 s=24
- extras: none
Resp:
h=3 m=0 s=31
